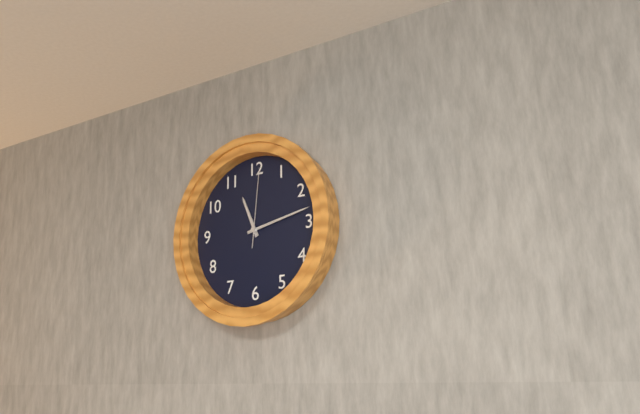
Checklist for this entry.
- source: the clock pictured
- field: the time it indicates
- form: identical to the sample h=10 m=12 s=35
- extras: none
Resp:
h=11 m=13 s=1
